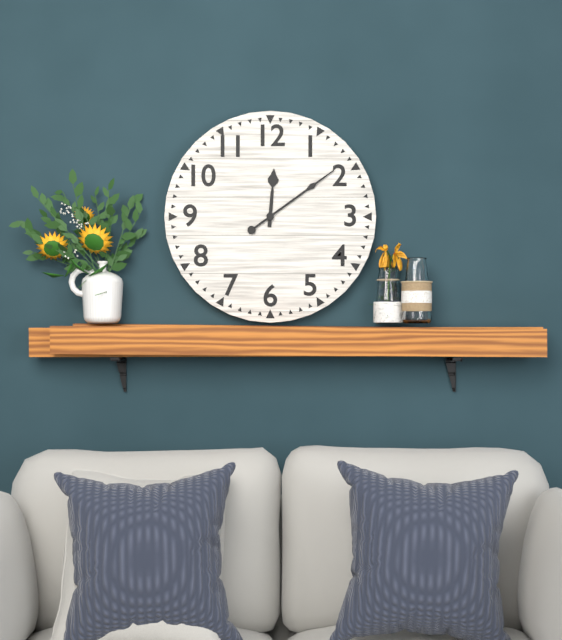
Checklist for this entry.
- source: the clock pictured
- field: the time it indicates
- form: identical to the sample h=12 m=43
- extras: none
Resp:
h=12 m=9
